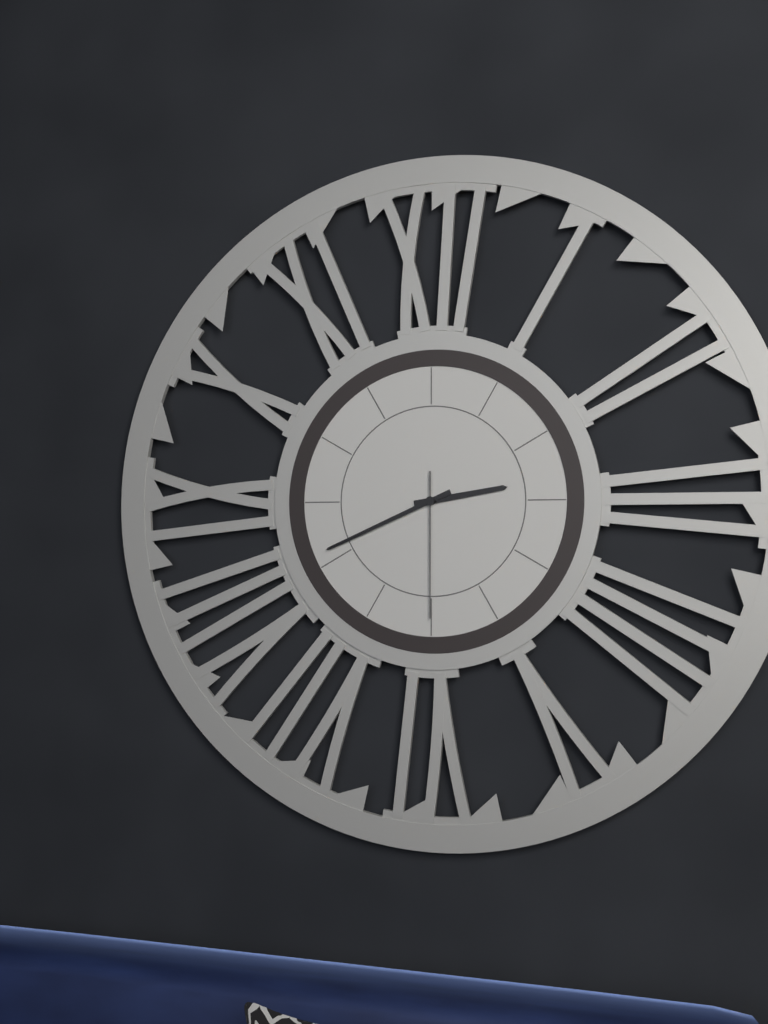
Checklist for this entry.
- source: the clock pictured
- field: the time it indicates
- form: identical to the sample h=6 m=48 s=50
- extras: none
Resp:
h=2 m=41 s=30
